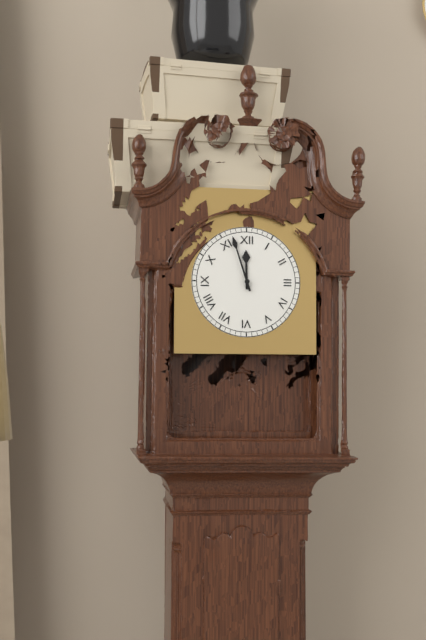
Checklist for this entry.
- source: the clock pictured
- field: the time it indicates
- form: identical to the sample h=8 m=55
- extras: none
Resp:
h=11 m=57
